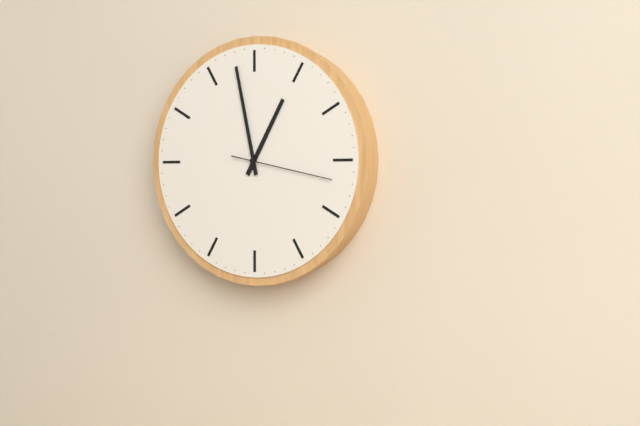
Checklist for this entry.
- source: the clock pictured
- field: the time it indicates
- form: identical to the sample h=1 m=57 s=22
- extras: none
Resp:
h=12 m=58 s=17
